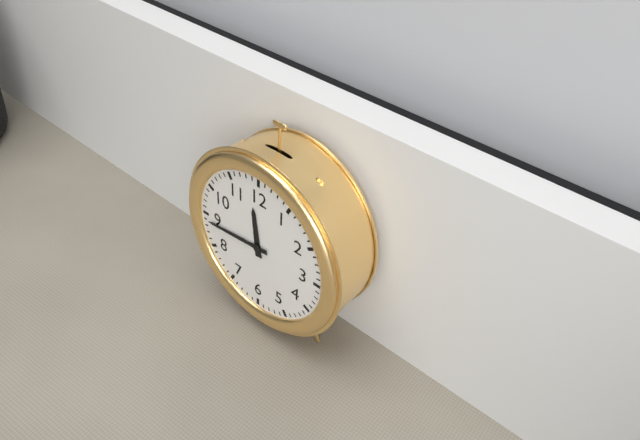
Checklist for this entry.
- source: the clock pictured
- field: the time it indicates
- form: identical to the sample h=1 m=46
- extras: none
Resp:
h=11 m=44
